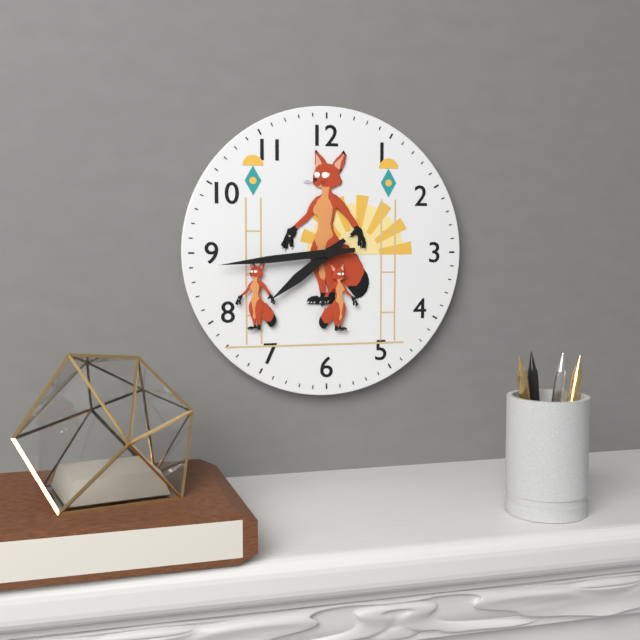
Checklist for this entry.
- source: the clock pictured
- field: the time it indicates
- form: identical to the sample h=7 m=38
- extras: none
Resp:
h=7 m=44
